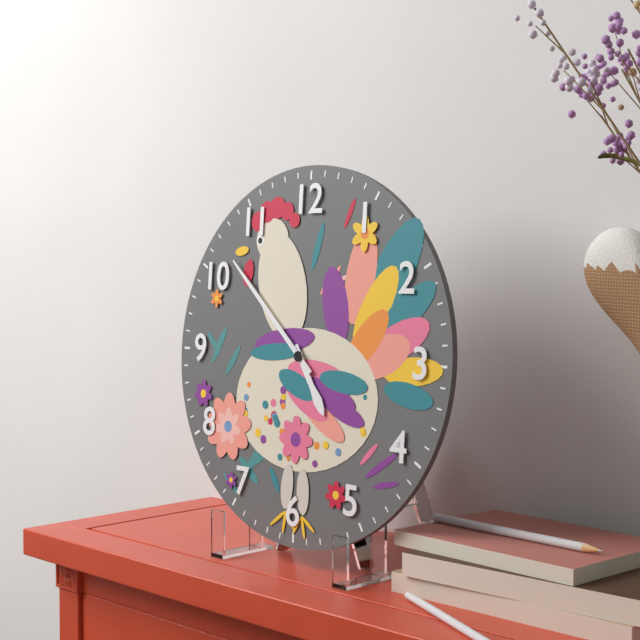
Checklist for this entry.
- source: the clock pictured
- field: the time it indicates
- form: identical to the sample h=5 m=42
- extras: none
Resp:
h=4 m=52
